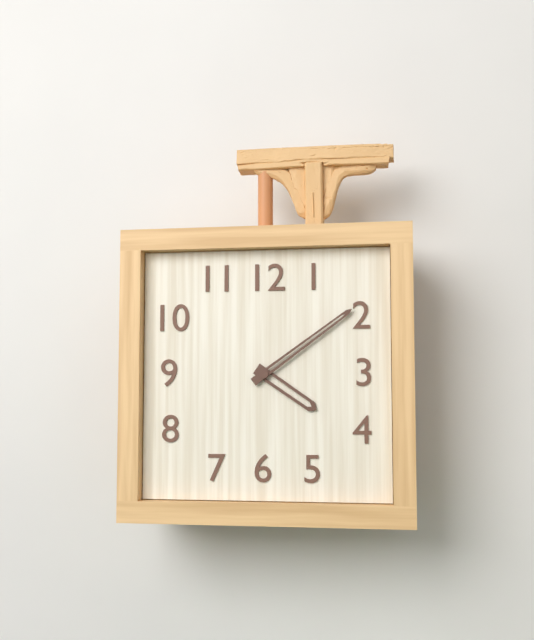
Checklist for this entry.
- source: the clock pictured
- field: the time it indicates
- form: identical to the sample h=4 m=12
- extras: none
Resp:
h=4 m=9
